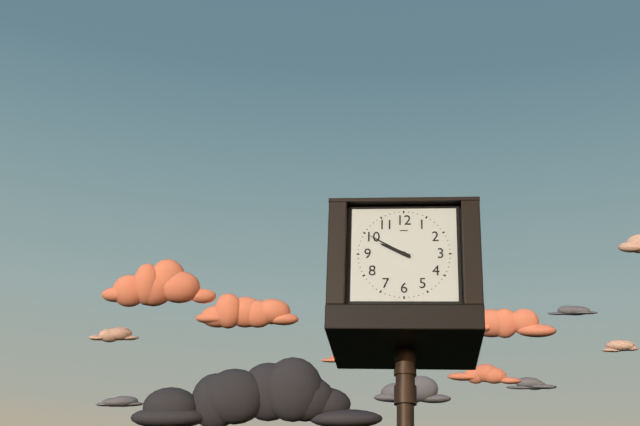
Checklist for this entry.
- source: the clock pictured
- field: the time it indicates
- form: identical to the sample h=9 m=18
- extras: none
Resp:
h=9 m=50
